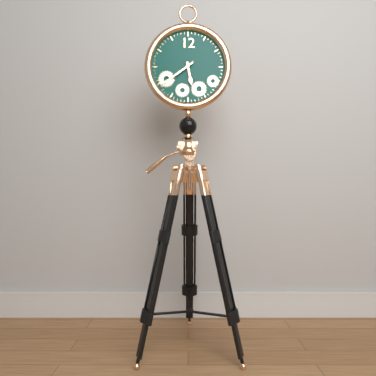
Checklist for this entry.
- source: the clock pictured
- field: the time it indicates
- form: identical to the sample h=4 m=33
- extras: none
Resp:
h=5 m=39
